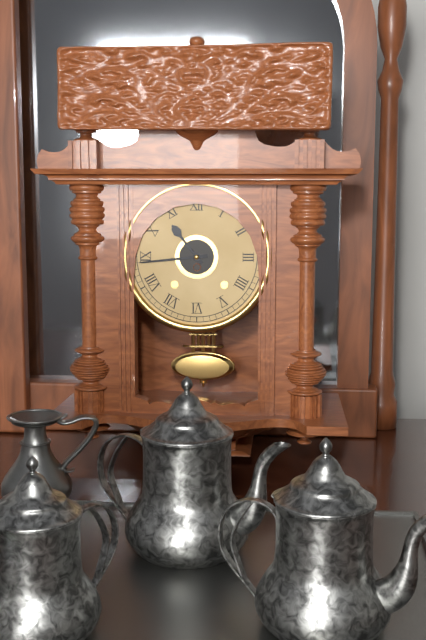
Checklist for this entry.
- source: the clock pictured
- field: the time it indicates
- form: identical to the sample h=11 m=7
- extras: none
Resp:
h=10 m=44
